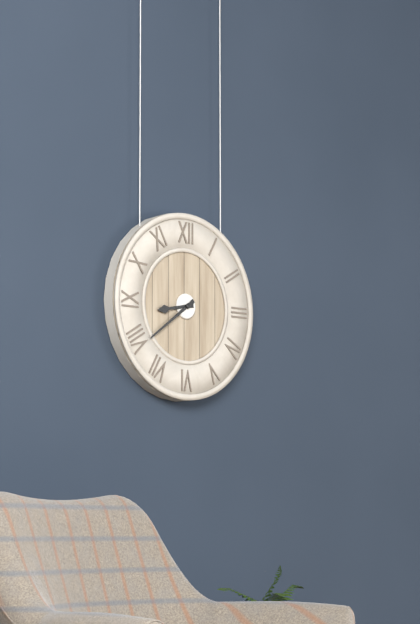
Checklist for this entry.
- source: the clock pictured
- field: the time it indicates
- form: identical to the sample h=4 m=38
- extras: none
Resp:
h=8 m=39
